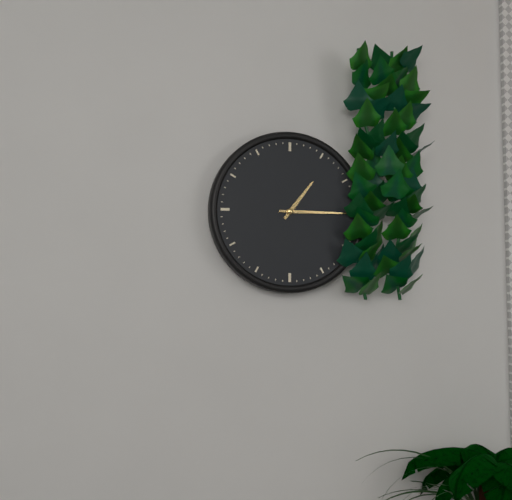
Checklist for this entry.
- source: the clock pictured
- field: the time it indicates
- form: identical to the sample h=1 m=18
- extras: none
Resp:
h=1 m=15
